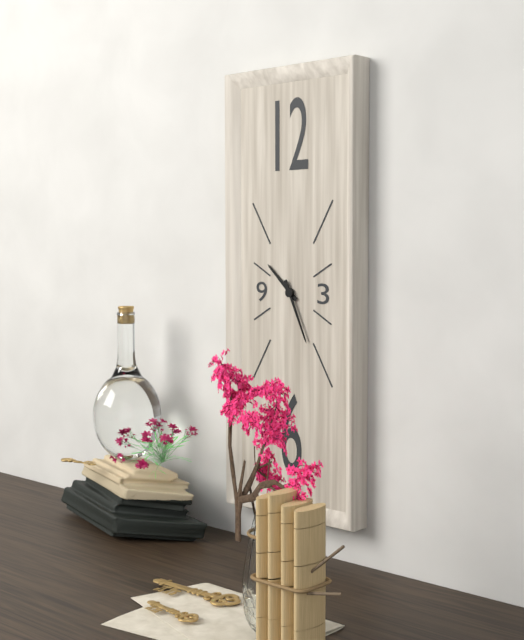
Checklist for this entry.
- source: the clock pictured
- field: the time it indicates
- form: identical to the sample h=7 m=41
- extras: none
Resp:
h=10 m=26
